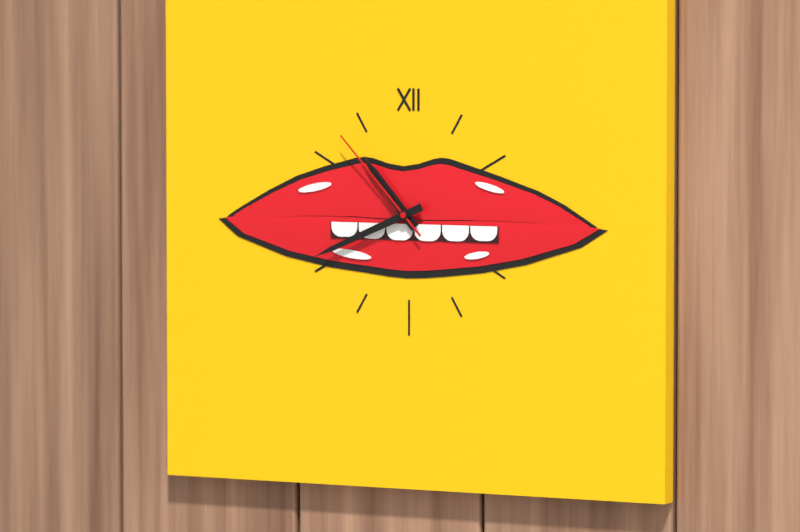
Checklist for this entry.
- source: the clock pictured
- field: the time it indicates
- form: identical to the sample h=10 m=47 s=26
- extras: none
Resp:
h=10 m=41 s=53
